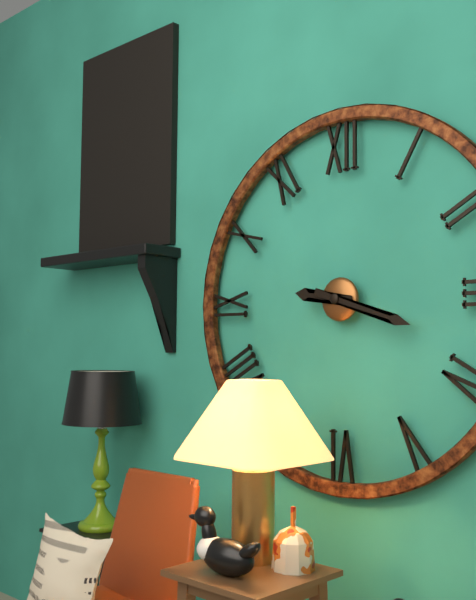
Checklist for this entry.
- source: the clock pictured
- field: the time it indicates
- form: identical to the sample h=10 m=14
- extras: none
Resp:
h=9 m=18
